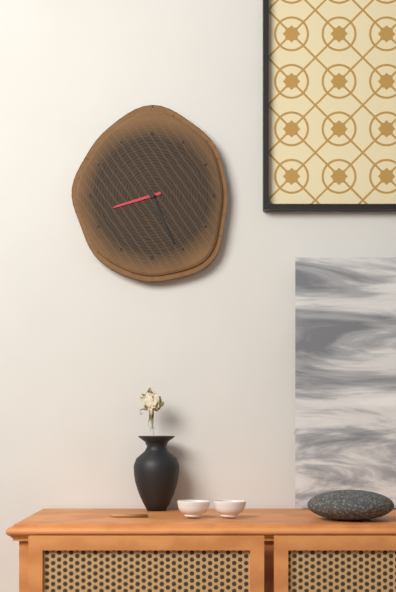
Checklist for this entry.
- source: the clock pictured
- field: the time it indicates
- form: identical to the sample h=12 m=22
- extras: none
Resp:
h=8 m=26
